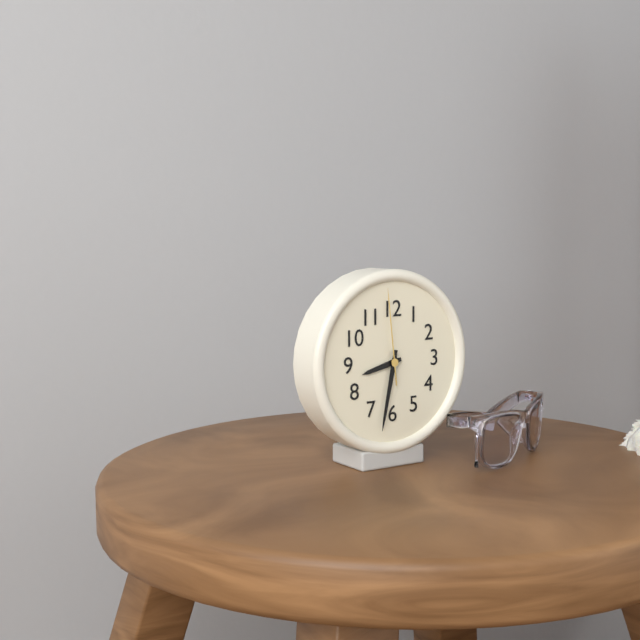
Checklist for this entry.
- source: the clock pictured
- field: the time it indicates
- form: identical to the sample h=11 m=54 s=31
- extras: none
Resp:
h=8 m=32 s=59
